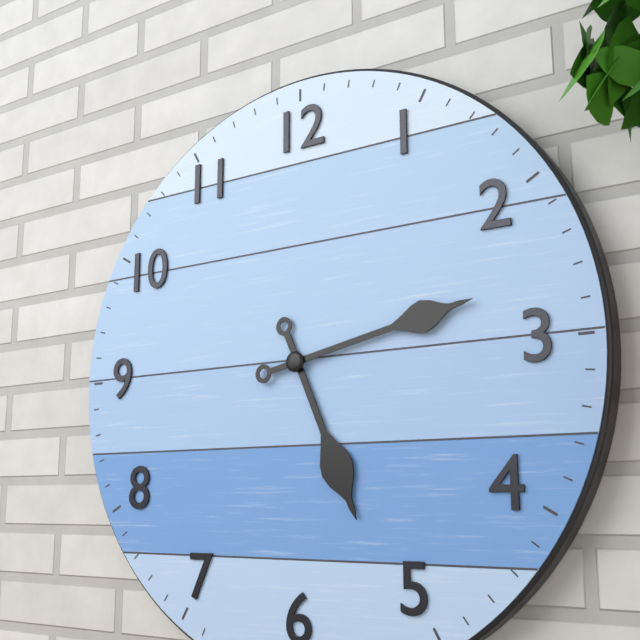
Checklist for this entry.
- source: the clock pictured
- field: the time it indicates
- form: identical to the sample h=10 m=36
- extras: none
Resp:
h=5 m=13
